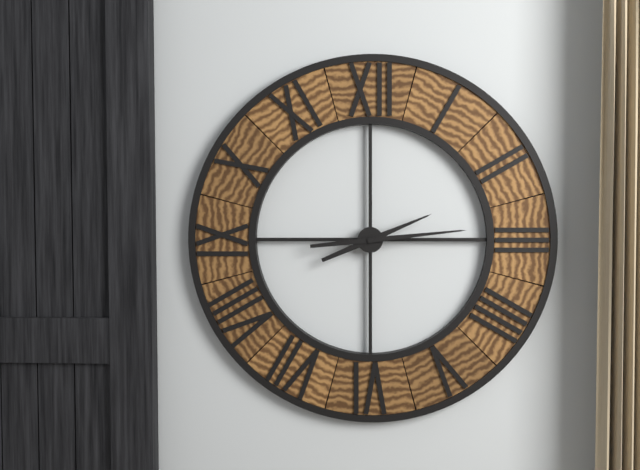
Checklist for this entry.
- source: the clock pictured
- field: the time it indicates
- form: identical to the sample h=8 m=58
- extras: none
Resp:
h=2 m=14
